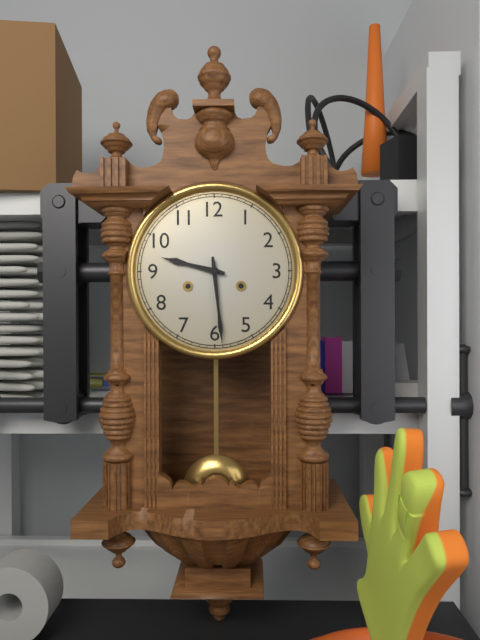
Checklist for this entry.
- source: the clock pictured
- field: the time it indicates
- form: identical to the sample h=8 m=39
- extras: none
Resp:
h=9 m=29
